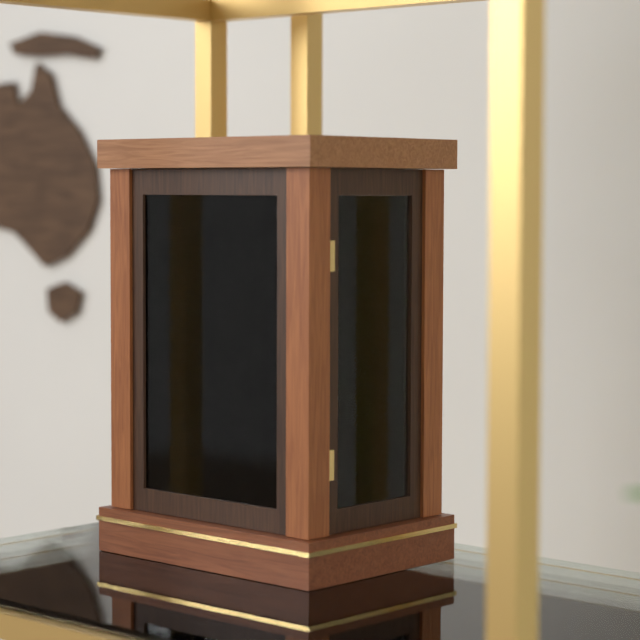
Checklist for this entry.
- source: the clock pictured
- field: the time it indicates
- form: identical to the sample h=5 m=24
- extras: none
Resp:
h=3 m=40
